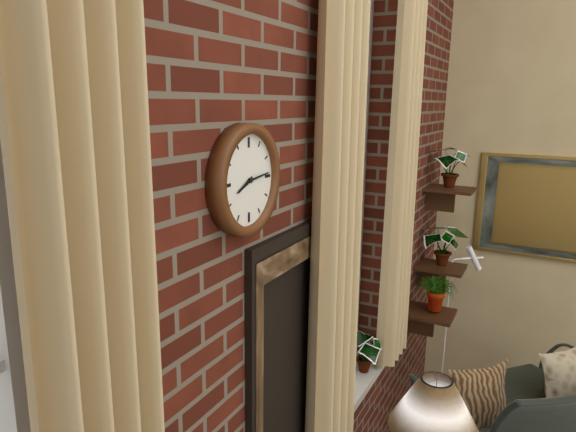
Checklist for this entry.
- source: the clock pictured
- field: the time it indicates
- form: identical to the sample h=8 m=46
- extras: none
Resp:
h=8 m=14
